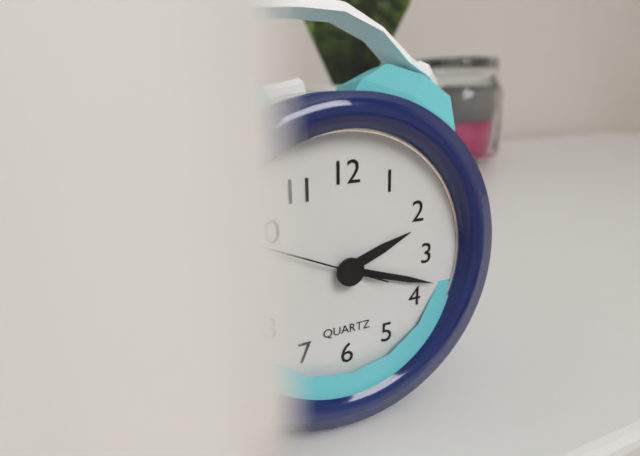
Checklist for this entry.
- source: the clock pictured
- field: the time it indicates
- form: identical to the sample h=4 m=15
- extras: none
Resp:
h=2 m=18
